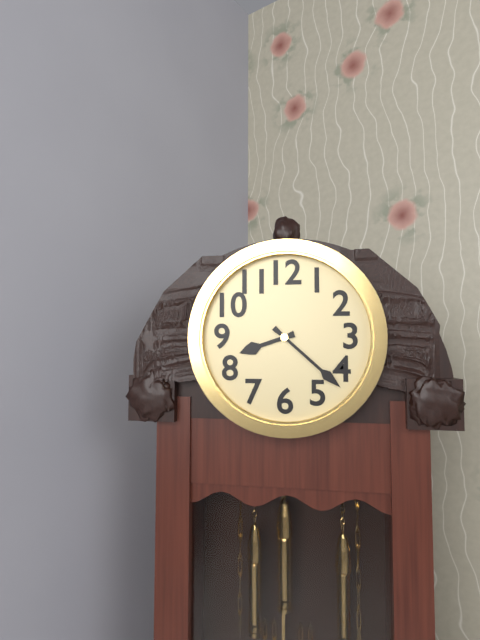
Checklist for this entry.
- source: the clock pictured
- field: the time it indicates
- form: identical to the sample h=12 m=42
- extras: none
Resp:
h=8 m=22
